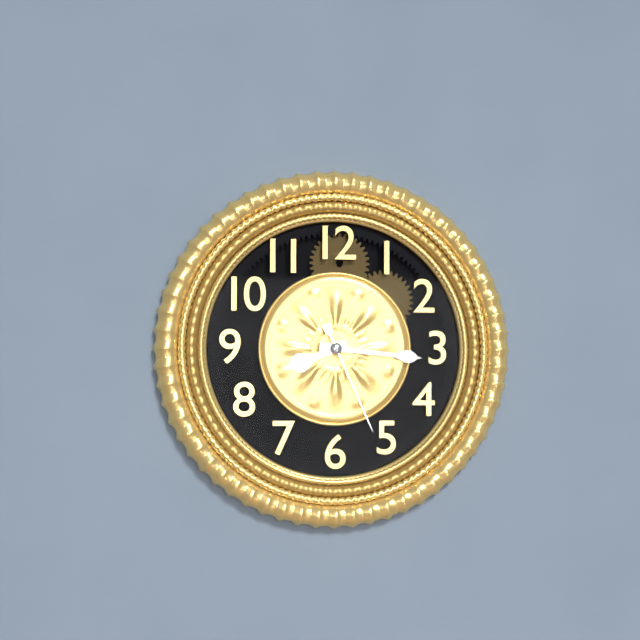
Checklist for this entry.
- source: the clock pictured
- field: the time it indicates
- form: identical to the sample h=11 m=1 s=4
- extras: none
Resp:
h=8 m=16 s=26
